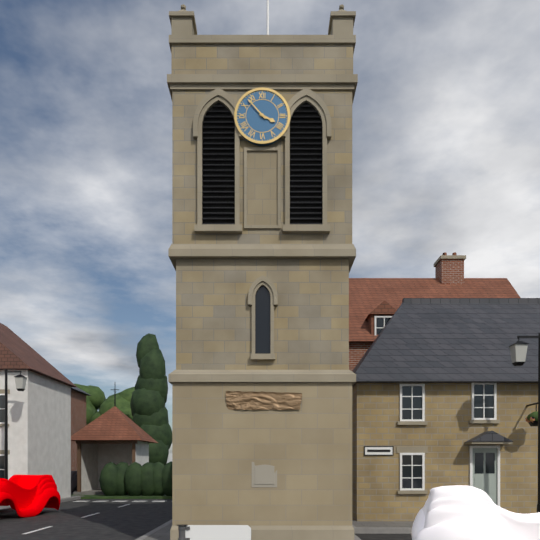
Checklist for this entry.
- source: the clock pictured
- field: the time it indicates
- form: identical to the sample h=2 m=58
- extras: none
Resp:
h=3 m=53
